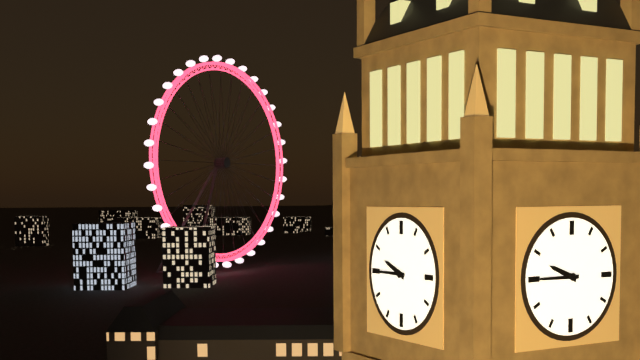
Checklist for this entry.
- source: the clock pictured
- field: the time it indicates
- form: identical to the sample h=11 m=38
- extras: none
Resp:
h=9 m=45
